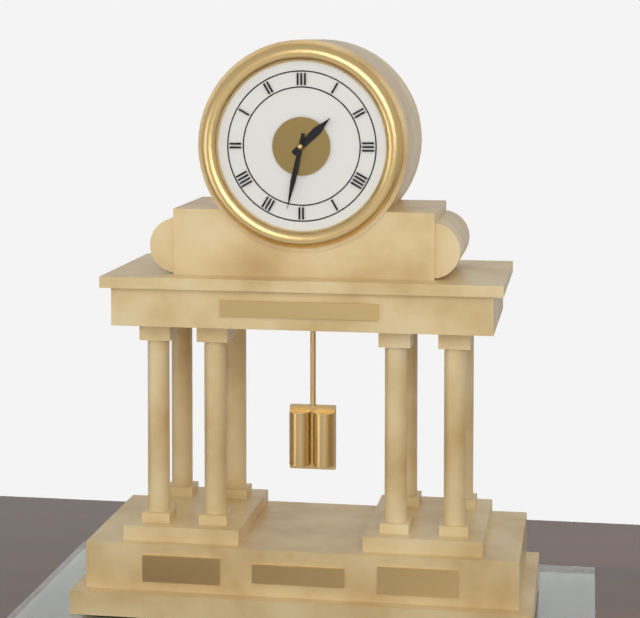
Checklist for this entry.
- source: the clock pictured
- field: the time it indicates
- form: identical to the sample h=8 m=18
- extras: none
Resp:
h=1 m=32
